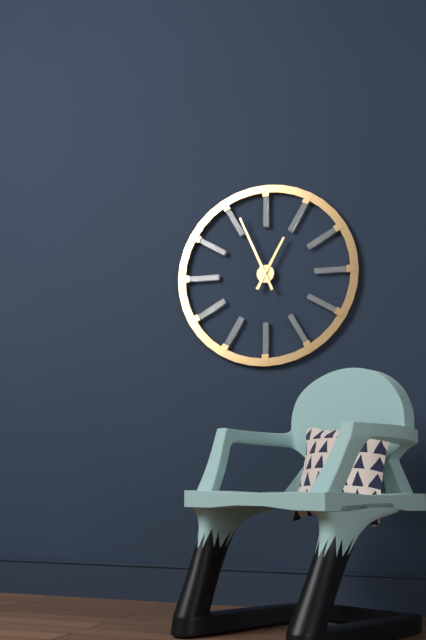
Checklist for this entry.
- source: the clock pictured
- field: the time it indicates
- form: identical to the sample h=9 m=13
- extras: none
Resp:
h=12 m=56
